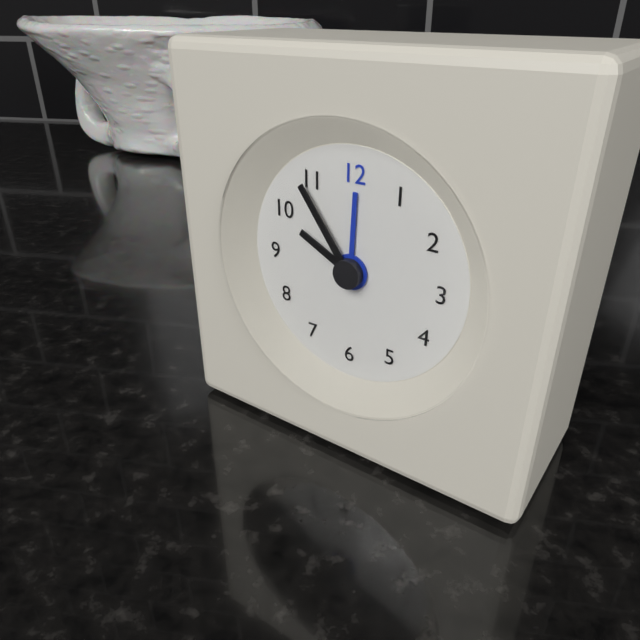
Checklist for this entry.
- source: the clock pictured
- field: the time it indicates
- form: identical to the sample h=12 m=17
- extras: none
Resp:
h=9 m=54
